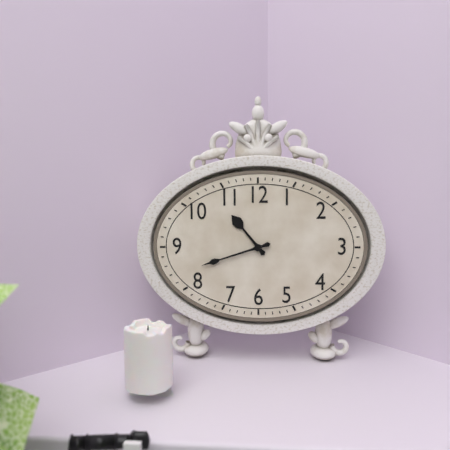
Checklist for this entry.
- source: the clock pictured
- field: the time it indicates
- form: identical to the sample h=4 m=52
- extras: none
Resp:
h=10 m=42
